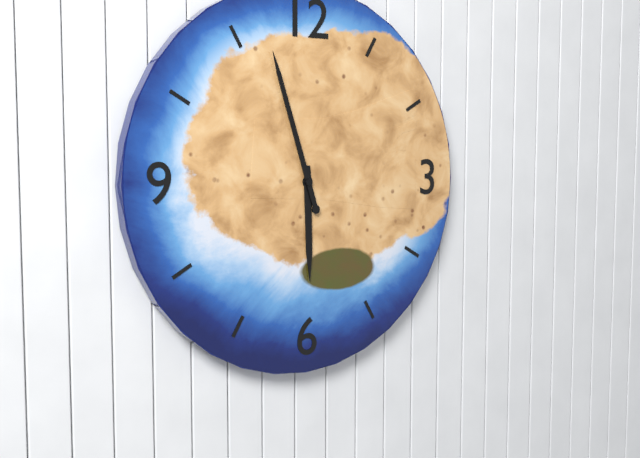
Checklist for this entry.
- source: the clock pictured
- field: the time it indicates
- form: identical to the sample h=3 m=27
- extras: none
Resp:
h=5 m=57
